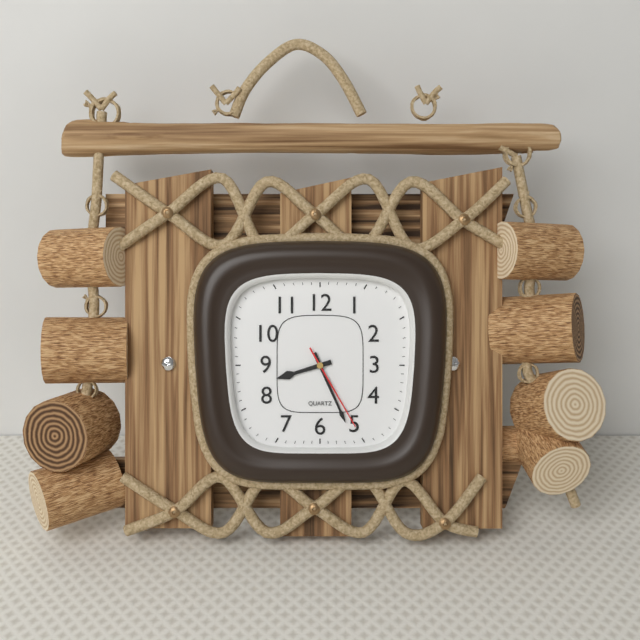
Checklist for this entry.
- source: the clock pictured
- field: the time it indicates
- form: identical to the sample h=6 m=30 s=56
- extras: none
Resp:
h=8 m=26 s=25
